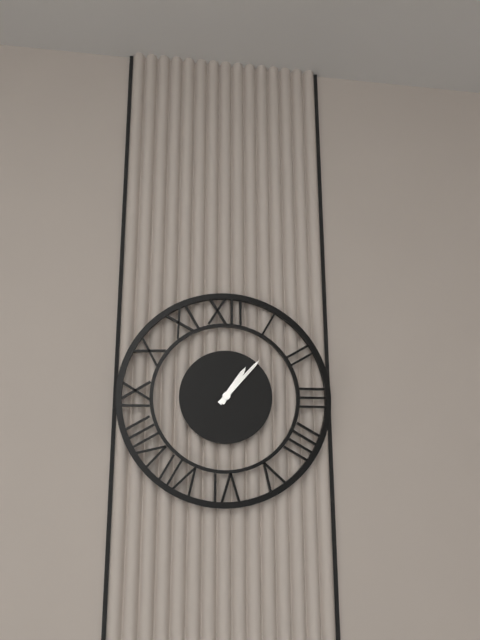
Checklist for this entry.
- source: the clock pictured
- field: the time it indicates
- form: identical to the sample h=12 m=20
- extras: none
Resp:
h=1 m=7
